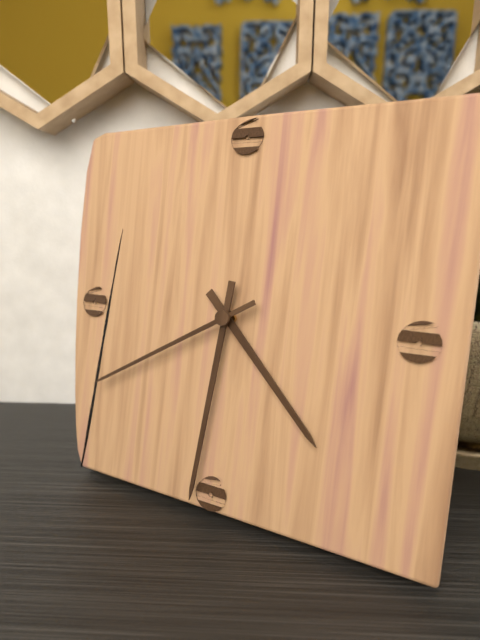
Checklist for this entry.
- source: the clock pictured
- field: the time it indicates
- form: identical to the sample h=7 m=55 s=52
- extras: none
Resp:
h=4 m=31 s=40
